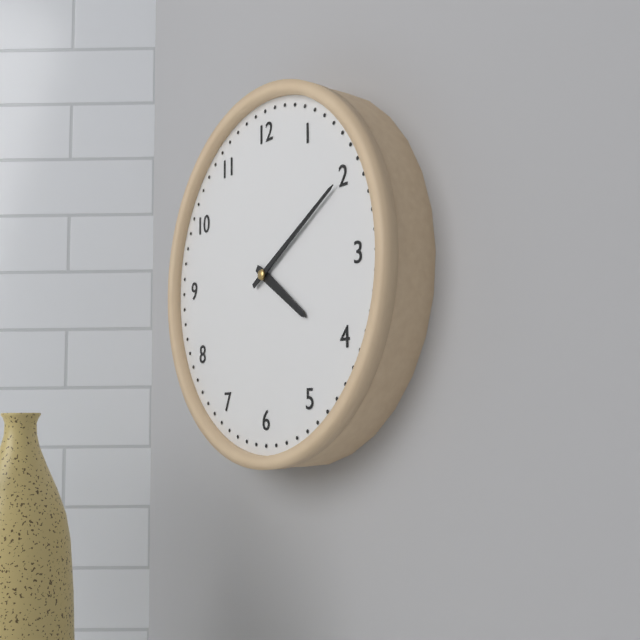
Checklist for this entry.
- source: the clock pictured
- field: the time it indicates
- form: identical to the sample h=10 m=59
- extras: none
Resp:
h=4 m=10
